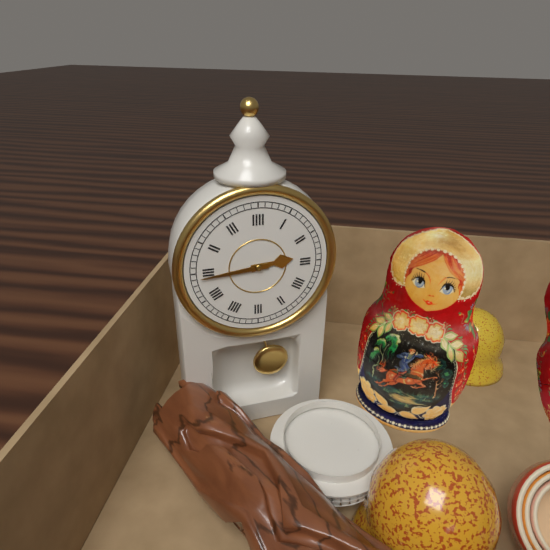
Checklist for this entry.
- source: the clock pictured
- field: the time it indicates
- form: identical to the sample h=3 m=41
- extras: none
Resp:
h=2 m=44
